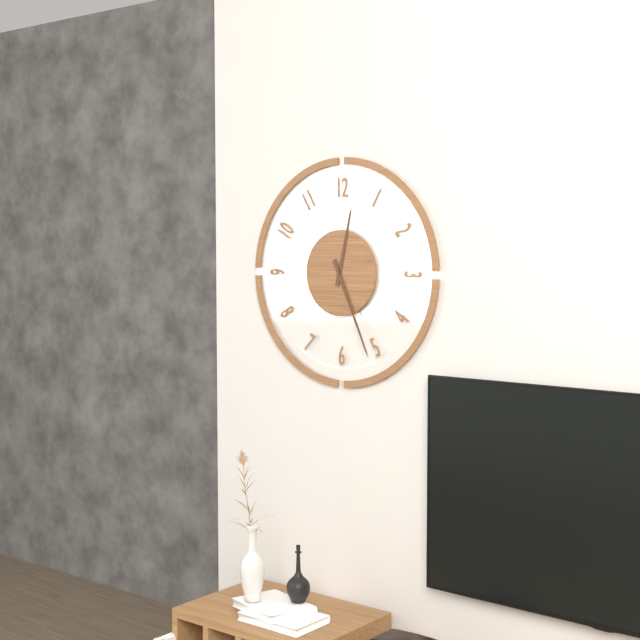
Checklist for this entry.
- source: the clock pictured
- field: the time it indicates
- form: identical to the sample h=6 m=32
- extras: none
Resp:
h=12 m=26
